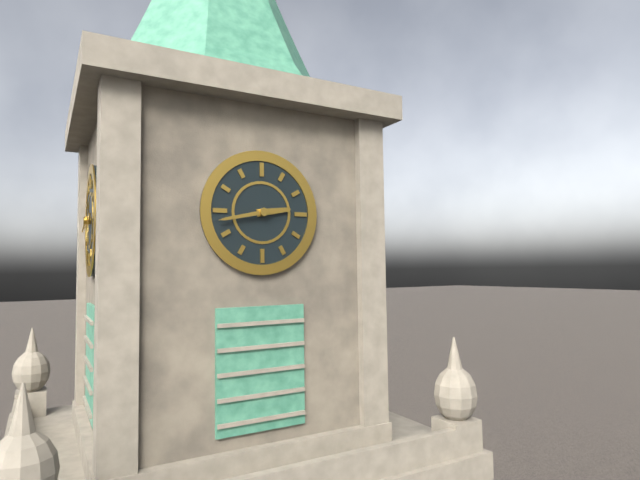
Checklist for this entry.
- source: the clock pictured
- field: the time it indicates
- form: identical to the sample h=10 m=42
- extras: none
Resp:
h=2 m=43
